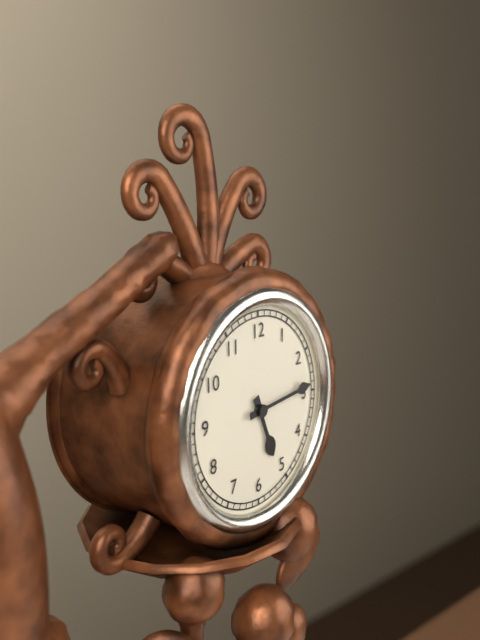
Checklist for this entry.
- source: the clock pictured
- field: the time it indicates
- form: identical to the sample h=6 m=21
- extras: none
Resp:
h=5 m=14
